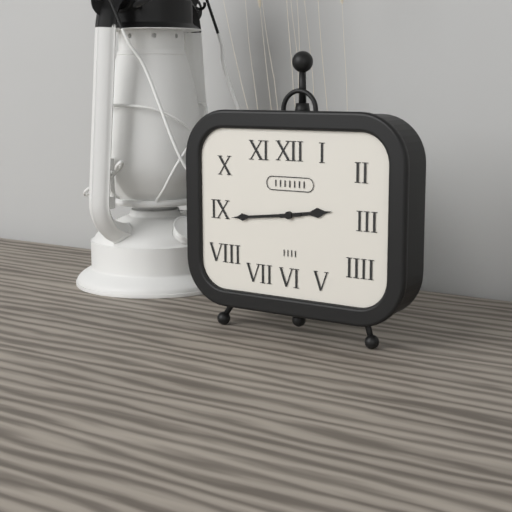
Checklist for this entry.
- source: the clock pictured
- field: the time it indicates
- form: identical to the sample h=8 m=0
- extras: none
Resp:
h=2 m=44
